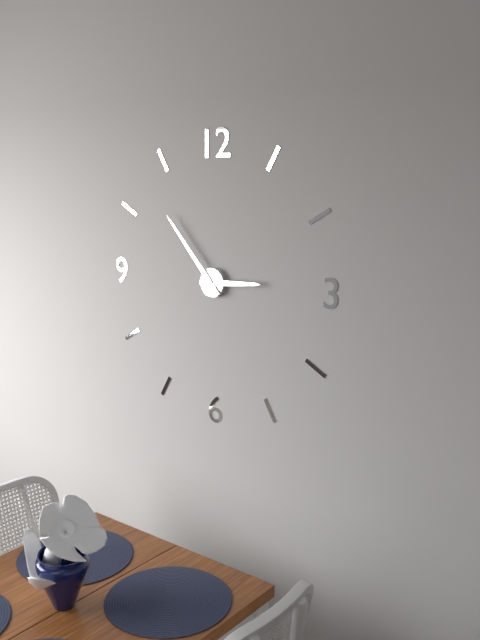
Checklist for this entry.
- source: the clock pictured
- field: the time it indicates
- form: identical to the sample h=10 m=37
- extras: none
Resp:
h=2 m=53
